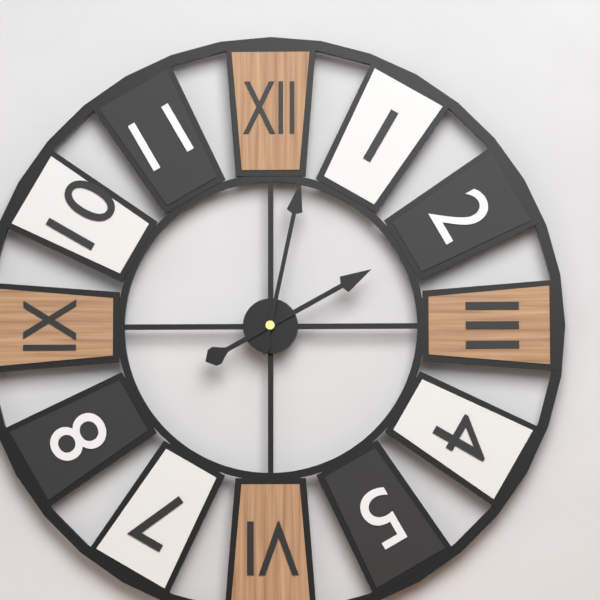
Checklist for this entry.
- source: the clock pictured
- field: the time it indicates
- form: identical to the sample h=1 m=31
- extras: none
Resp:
h=2 m=2
